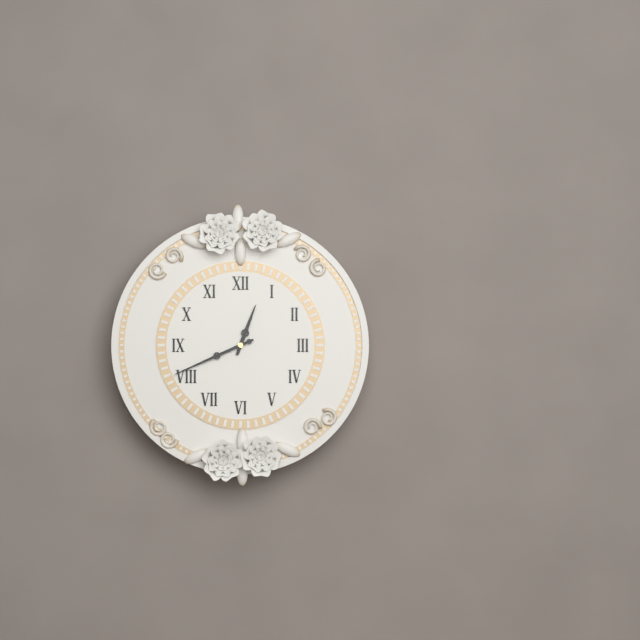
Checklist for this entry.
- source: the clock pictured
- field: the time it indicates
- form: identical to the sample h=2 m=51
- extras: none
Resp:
h=12 m=41
